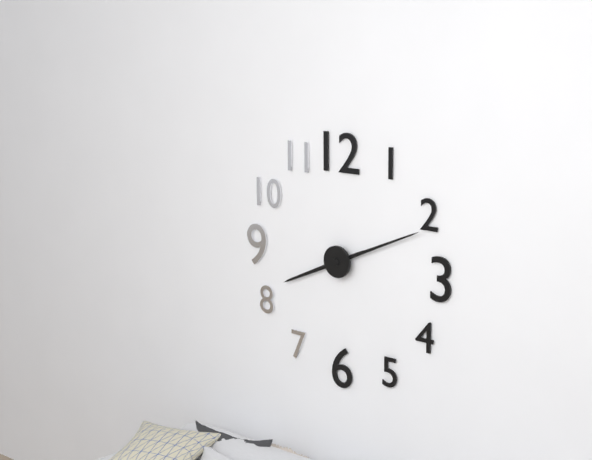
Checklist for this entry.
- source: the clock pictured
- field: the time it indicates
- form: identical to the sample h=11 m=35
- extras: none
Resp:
h=8 m=11
